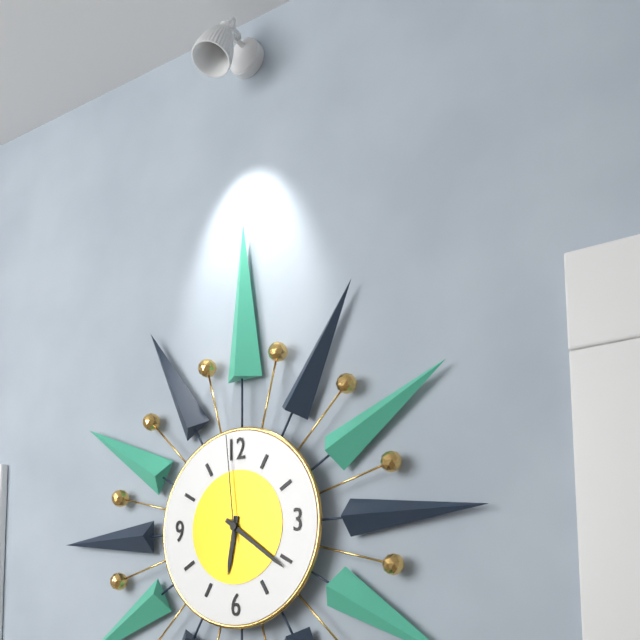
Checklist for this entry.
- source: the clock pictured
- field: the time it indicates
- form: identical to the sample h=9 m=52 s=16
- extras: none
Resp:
h=6 m=21 s=59
